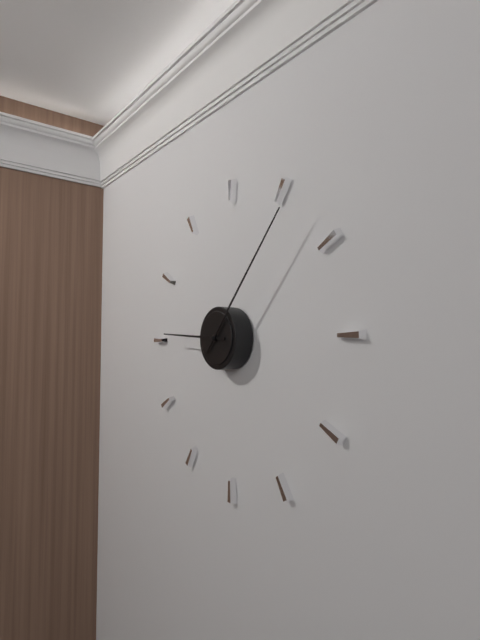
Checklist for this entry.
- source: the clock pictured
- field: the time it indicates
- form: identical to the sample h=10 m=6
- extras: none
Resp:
h=9 m=7
